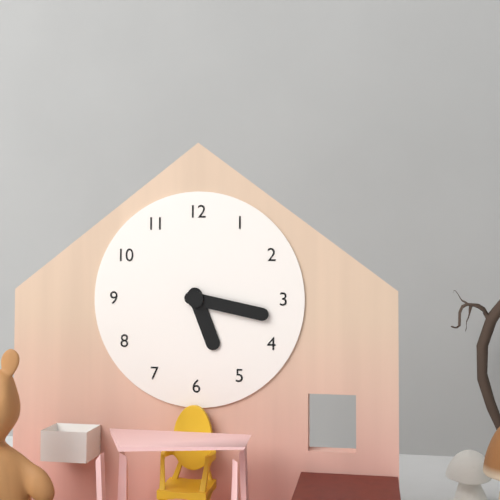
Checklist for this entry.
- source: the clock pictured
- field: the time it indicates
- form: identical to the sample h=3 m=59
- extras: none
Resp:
h=5 m=17
